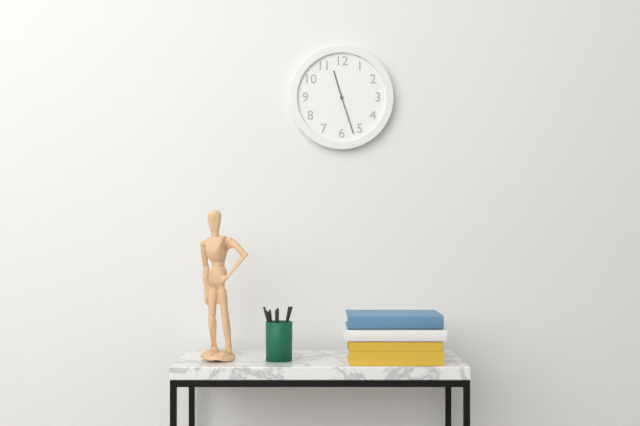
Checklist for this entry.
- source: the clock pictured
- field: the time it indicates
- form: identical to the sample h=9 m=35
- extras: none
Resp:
h=11 m=27
